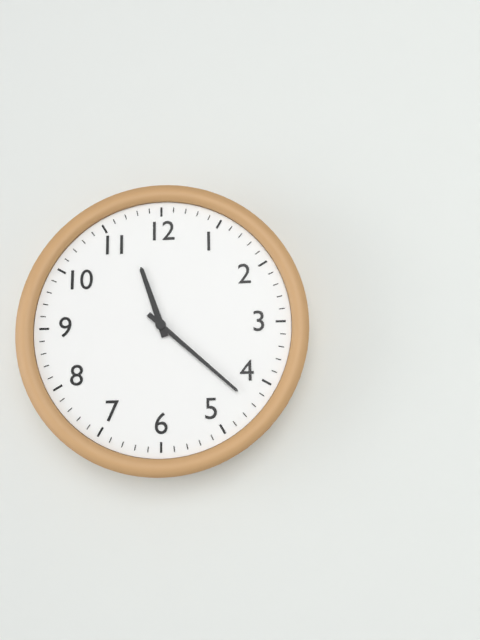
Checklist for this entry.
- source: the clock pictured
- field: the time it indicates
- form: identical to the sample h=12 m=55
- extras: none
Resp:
h=11 m=22
